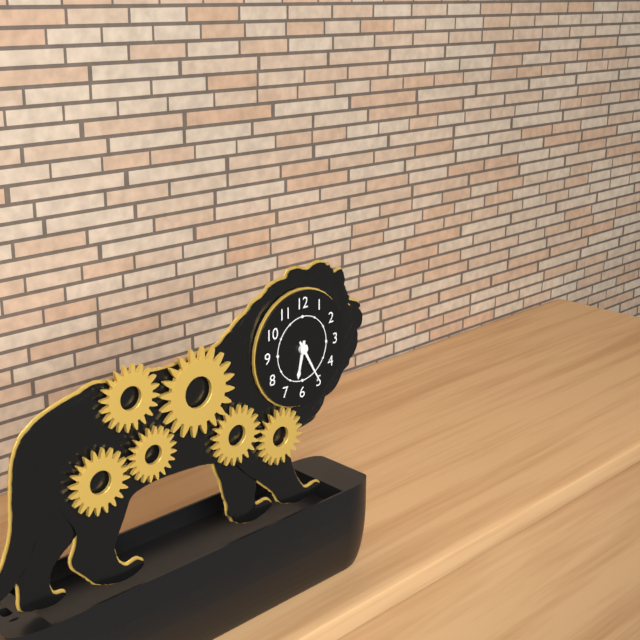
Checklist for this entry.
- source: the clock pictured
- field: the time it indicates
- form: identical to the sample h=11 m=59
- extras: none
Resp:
h=6 m=25
